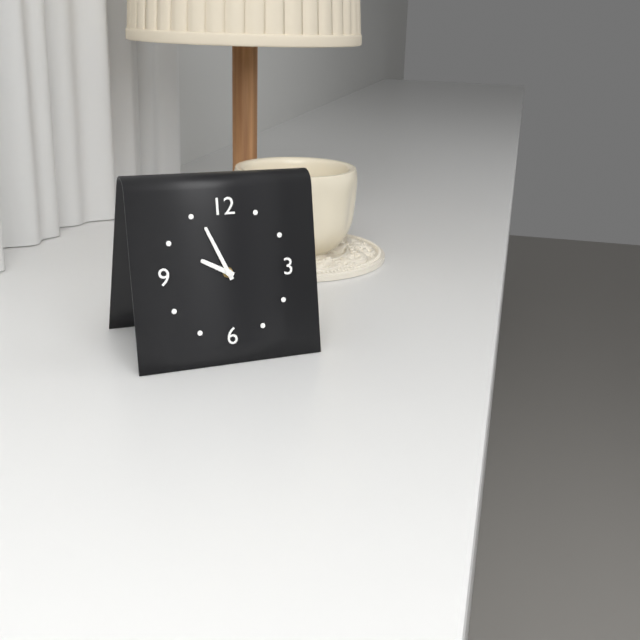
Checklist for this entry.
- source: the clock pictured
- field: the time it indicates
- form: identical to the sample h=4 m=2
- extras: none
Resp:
h=9 m=56
